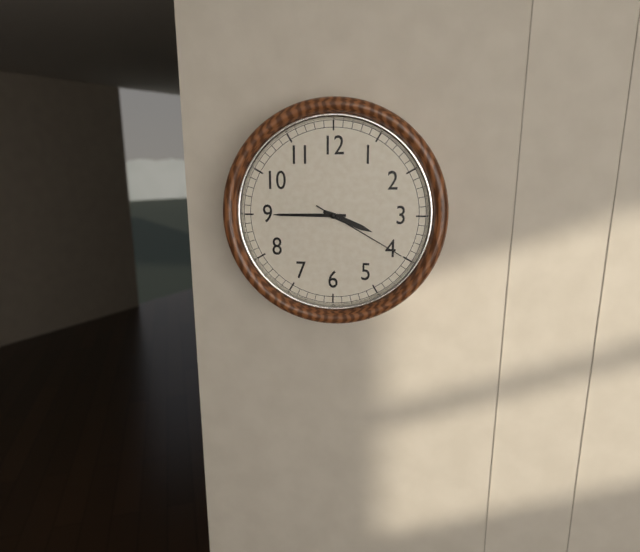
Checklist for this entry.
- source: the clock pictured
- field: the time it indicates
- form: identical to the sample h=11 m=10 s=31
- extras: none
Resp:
h=3 m=45 s=20
